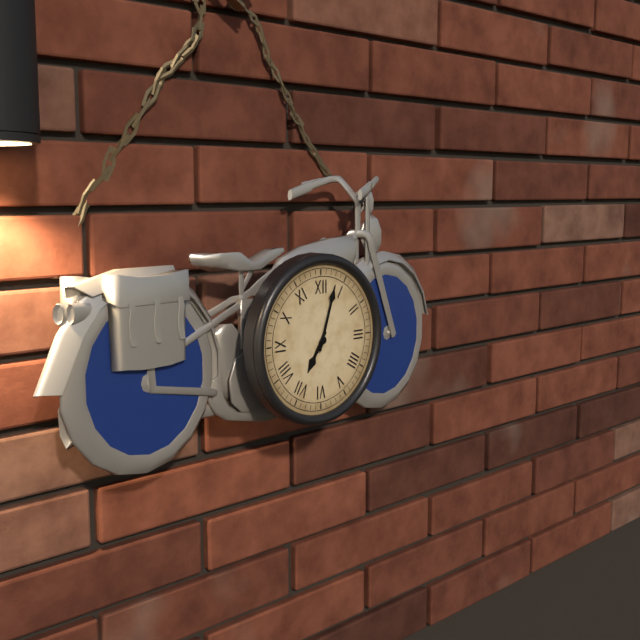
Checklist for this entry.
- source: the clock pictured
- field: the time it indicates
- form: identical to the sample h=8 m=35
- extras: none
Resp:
h=7 m=3
